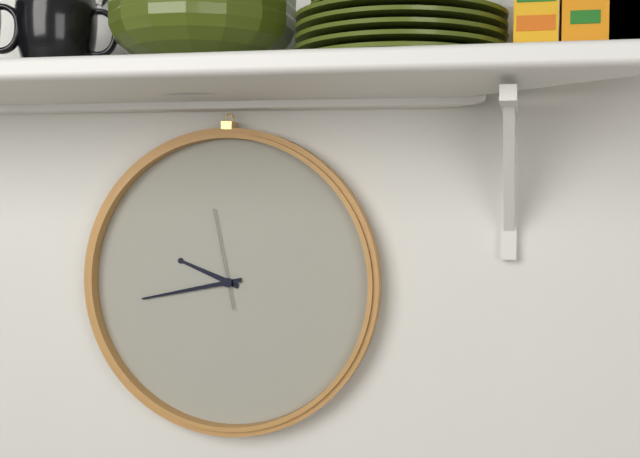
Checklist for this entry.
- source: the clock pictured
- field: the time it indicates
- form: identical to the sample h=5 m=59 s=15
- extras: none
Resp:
h=9 m=43 s=58
